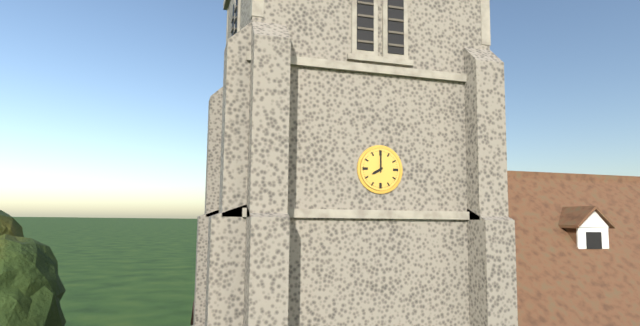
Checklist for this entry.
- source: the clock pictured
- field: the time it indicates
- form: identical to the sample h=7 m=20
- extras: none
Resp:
h=8 m=0
